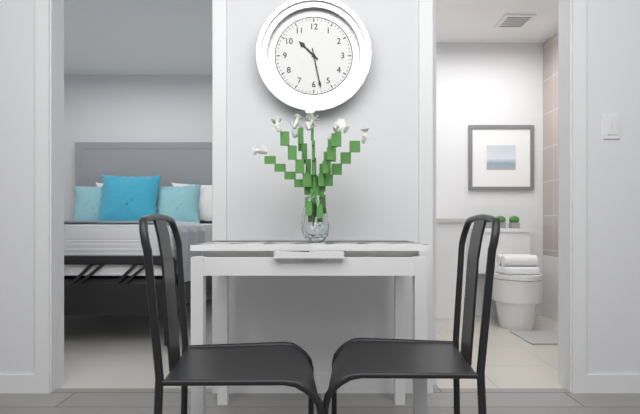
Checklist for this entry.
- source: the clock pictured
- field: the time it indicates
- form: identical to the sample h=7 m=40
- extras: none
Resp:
h=10 m=28
